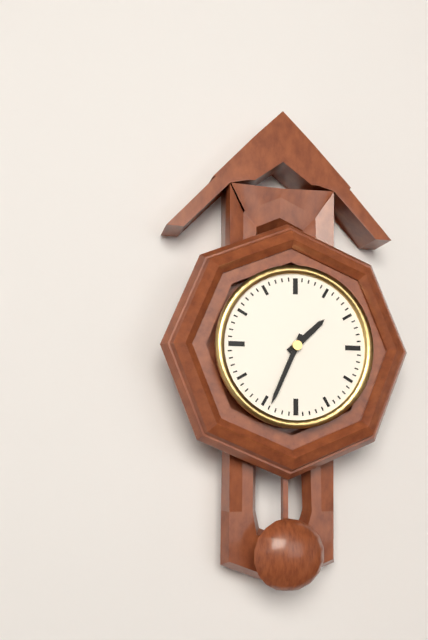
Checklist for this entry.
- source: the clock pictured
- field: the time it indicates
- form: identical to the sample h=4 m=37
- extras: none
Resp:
h=1 m=34
